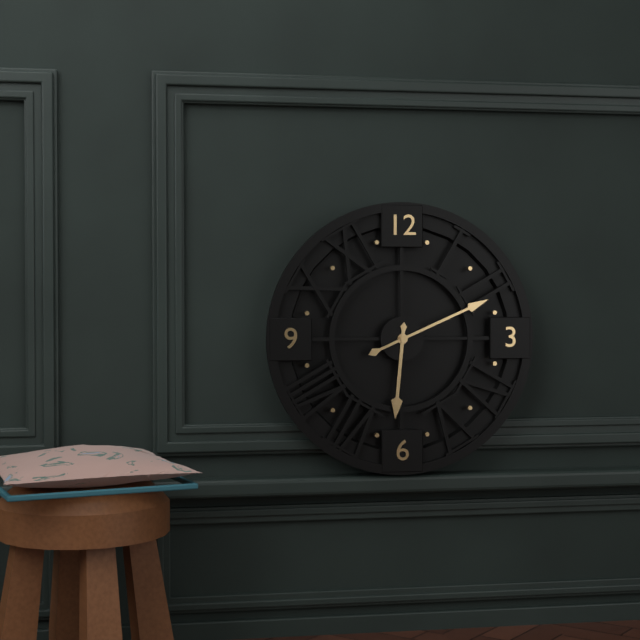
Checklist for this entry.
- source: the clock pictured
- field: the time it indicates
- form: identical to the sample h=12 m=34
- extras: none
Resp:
h=6 m=11
